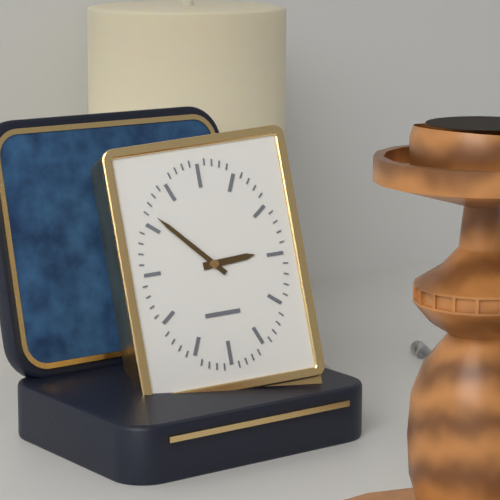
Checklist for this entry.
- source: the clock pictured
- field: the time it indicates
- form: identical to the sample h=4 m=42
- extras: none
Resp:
h=2 m=53
